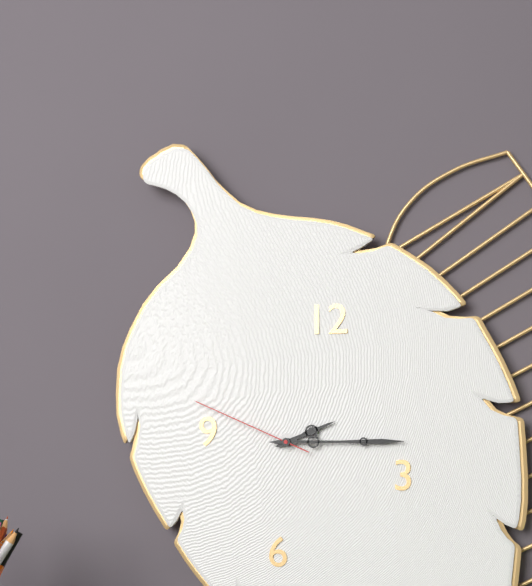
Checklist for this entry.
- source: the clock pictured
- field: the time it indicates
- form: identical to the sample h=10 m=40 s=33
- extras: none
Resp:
h=2 m=15 s=49
